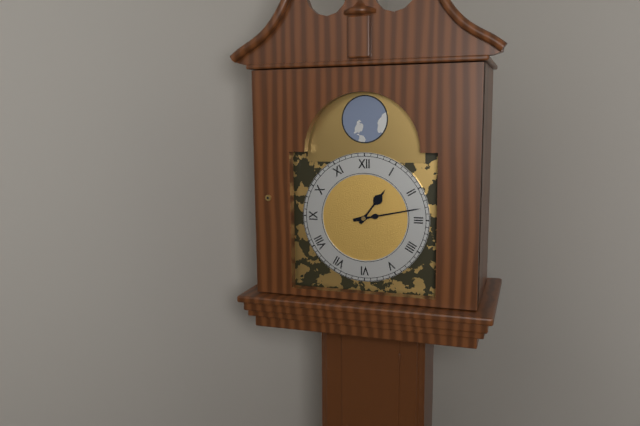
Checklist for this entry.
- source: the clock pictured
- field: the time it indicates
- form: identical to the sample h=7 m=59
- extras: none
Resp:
h=1 m=13
